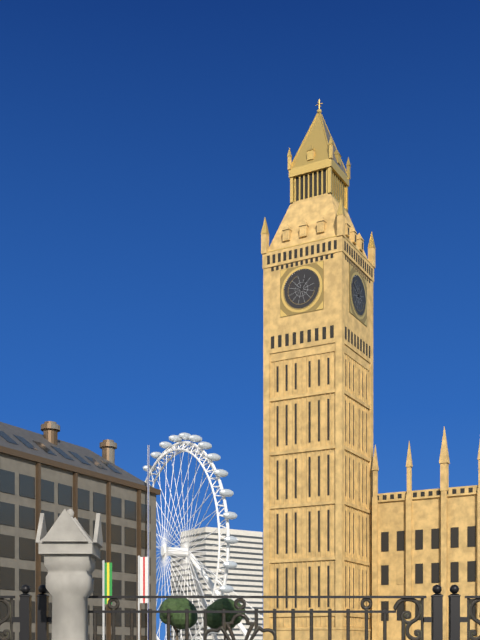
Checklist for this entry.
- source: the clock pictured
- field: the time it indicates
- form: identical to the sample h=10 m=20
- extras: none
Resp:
h=12 m=50
